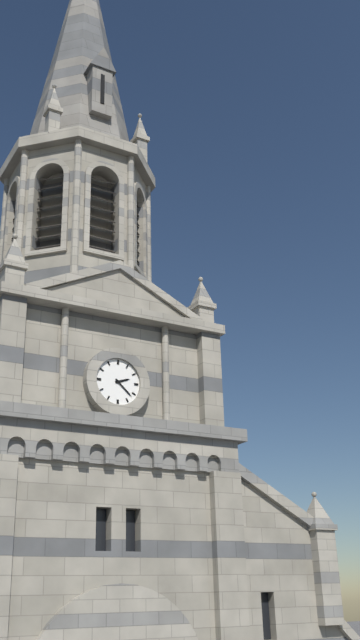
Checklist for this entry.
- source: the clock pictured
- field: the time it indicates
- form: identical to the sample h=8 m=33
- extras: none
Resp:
h=2 m=22
